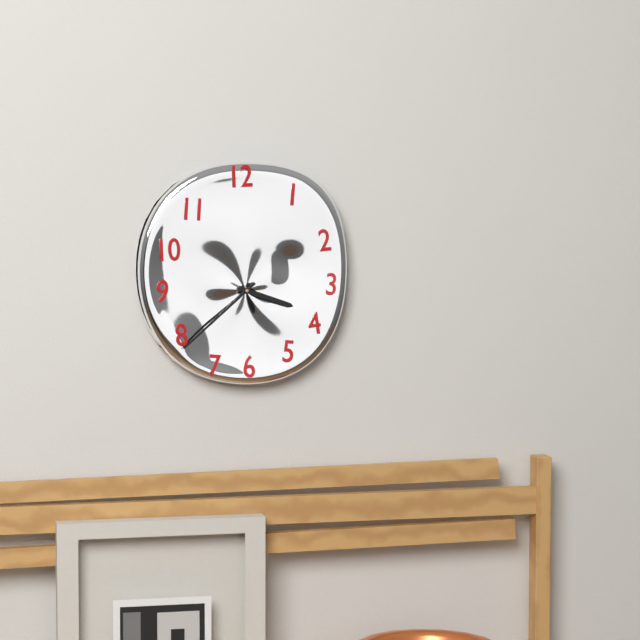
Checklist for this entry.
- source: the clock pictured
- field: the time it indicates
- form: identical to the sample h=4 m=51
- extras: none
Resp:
h=3 m=38
